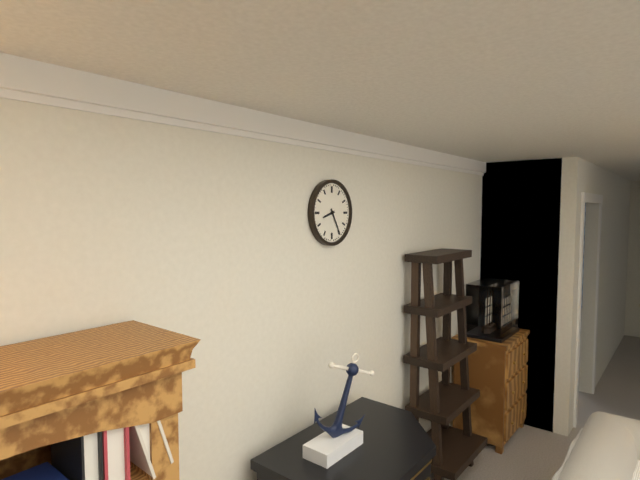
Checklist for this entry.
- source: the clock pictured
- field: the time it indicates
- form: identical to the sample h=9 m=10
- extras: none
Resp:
h=8 m=25
